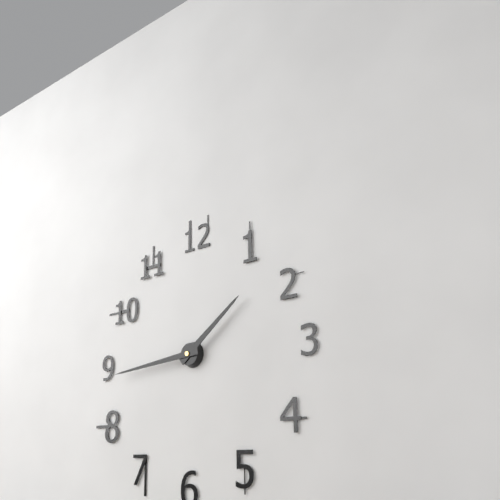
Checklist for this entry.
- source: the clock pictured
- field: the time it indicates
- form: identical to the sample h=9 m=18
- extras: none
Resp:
h=1 m=44
